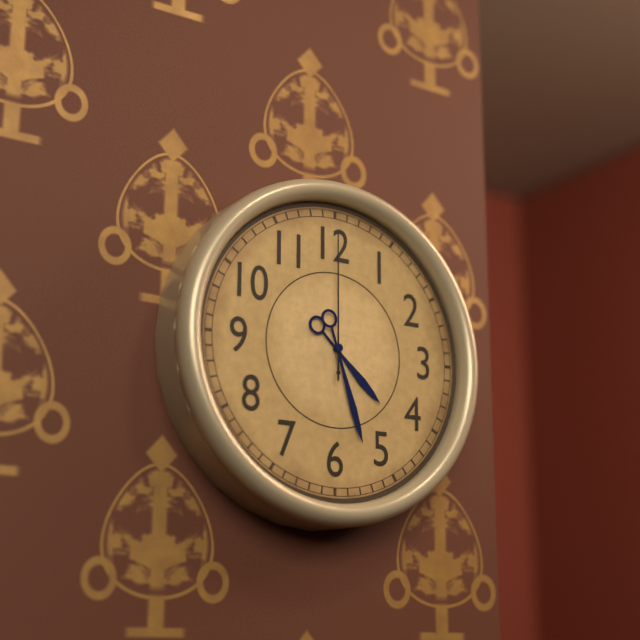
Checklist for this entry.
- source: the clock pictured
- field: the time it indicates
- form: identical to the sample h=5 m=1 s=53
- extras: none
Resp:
h=4 m=27 s=0
